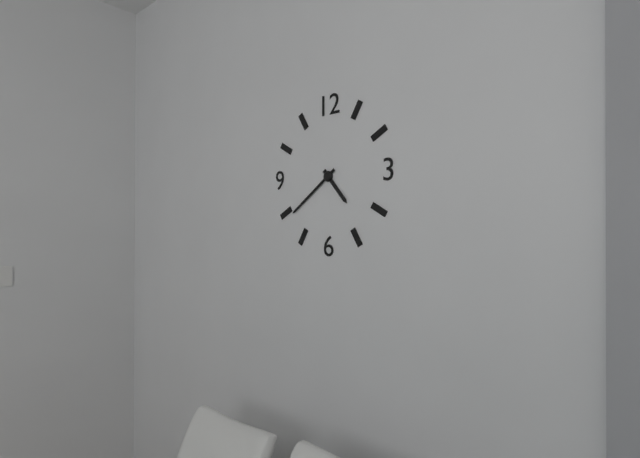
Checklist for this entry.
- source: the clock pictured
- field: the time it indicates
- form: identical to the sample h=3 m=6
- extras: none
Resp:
h=4 m=39
